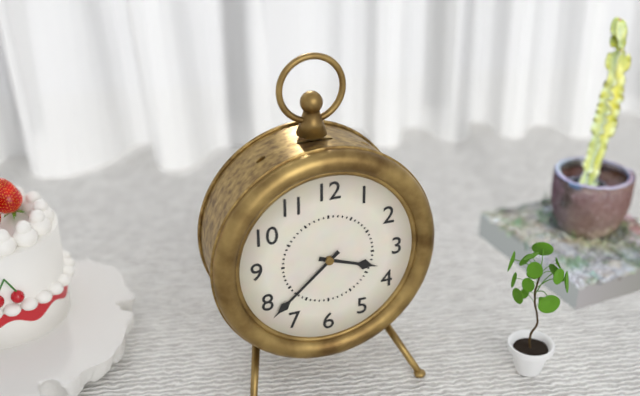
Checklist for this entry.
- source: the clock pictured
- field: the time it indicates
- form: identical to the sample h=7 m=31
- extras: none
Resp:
h=3 m=38
